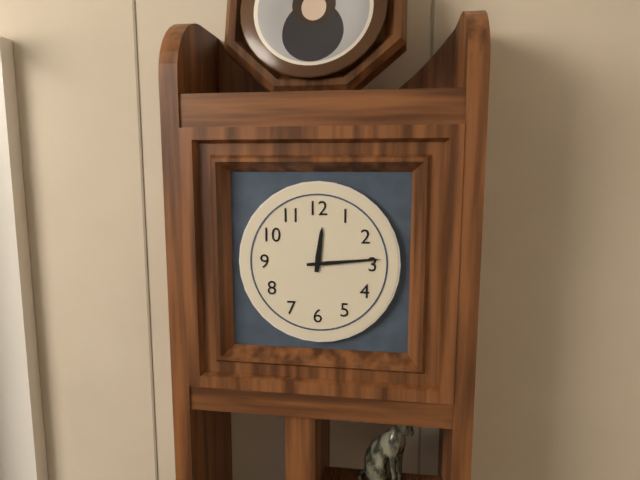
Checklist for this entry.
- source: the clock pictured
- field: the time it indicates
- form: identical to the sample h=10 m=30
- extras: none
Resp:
h=12 m=14
